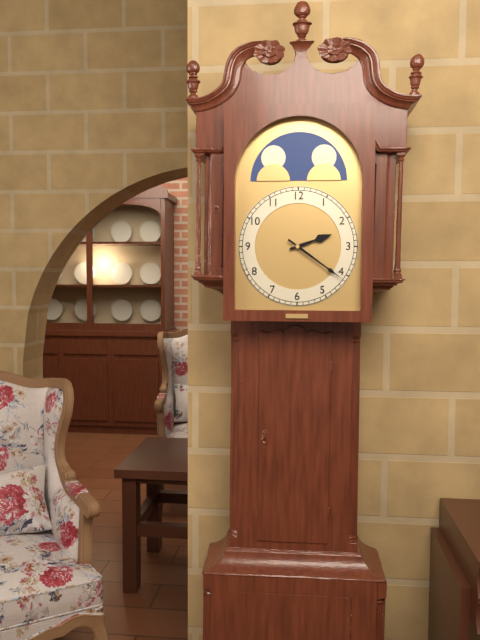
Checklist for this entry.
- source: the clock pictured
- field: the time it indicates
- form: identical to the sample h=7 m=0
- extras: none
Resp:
h=2 m=21
